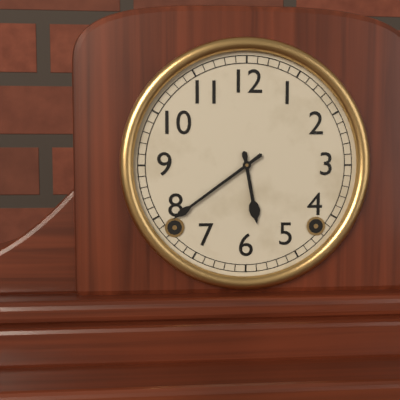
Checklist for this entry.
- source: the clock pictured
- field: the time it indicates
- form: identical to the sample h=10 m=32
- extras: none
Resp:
h=5 m=39
